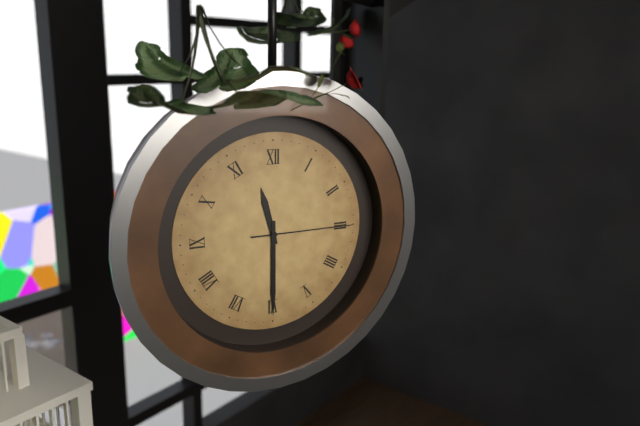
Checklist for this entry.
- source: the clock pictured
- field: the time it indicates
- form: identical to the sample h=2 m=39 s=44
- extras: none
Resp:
h=11 m=30 s=15
